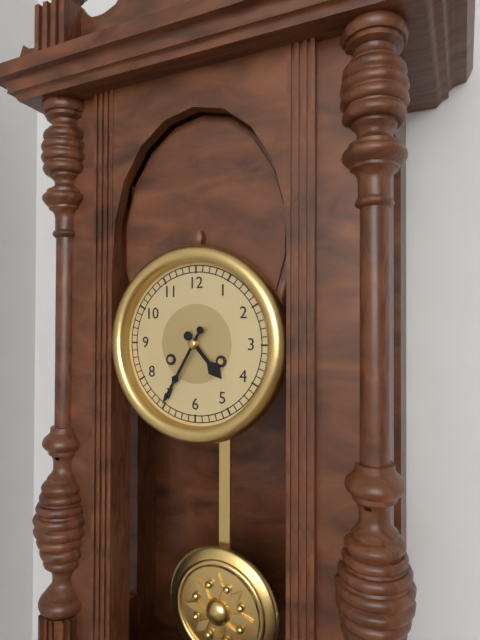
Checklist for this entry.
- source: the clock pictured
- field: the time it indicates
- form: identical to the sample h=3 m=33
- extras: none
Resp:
h=4 m=35
